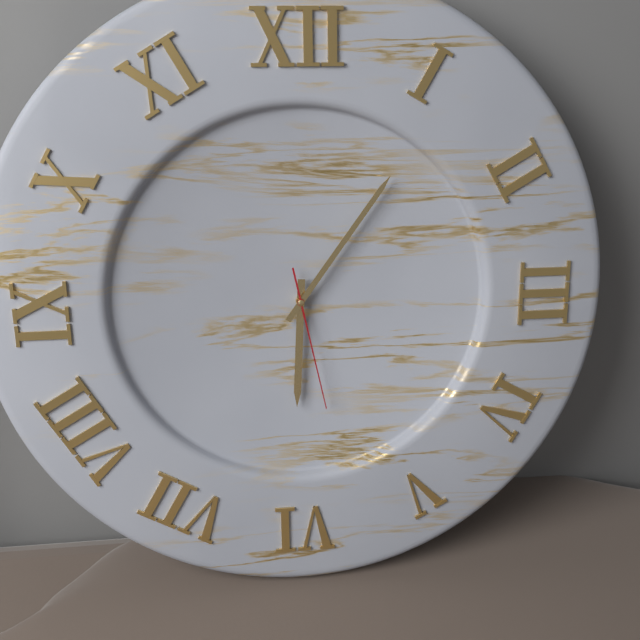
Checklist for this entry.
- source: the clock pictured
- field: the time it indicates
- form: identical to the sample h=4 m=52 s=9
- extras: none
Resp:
h=6 m=6 s=28
